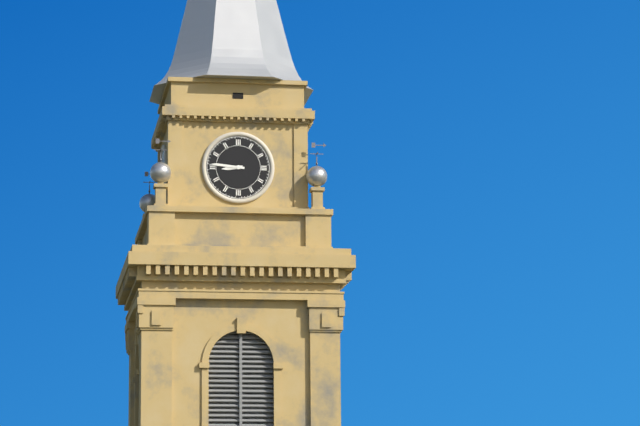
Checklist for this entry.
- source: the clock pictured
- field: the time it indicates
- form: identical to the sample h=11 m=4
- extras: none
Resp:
h=8 m=46
